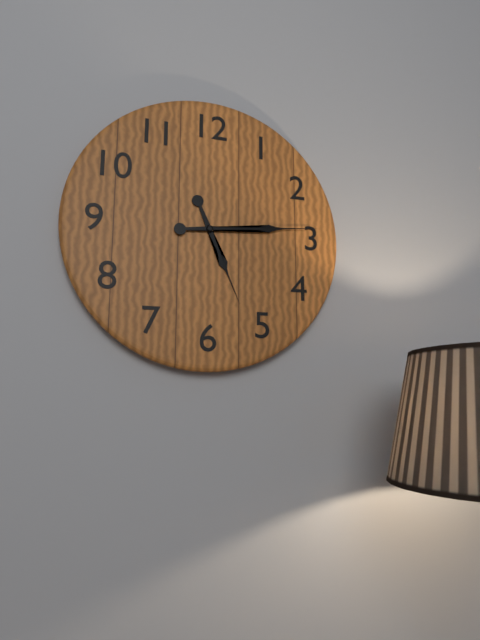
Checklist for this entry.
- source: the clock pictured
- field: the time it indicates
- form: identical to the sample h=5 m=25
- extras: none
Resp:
h=5 m=14
